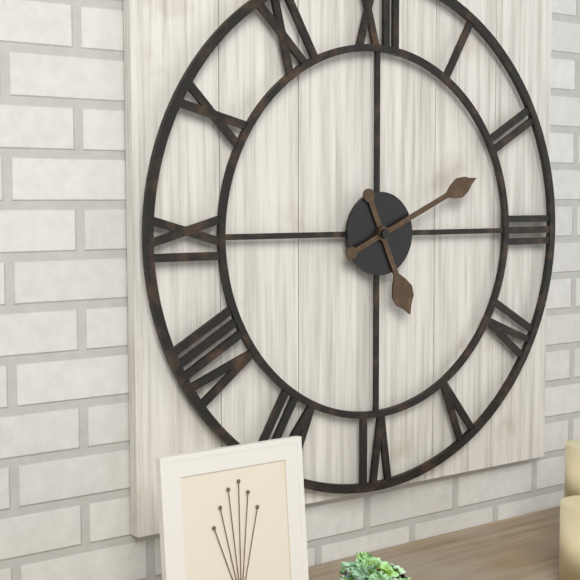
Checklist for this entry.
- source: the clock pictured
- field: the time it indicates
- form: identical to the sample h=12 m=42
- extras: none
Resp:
h=5 m=11
